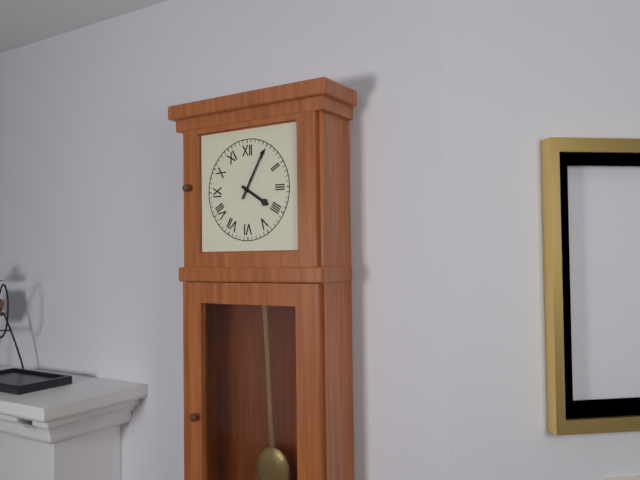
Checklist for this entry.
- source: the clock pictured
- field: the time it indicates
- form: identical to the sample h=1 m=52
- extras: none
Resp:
h=4 m=5
